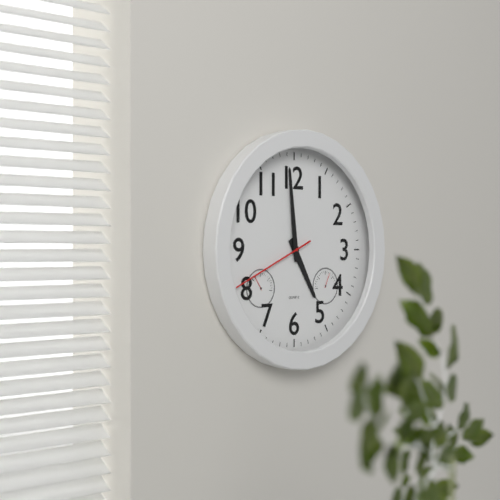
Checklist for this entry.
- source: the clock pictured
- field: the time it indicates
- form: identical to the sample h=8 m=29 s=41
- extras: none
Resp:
h=4 m=59 s=41
